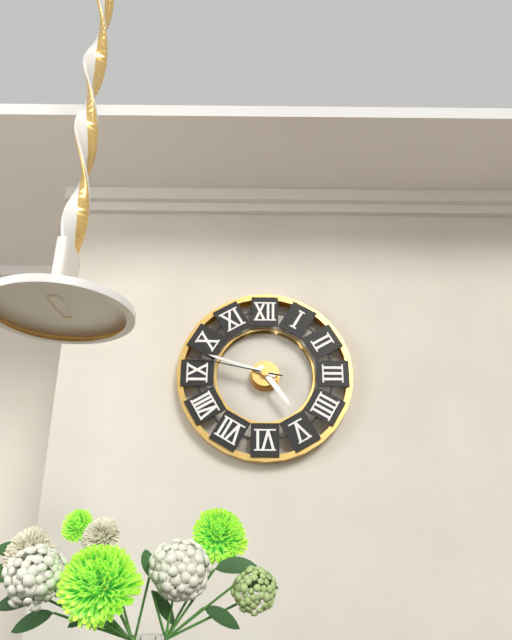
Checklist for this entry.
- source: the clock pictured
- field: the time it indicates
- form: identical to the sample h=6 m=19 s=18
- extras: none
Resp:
h=4 m=48 s=47
